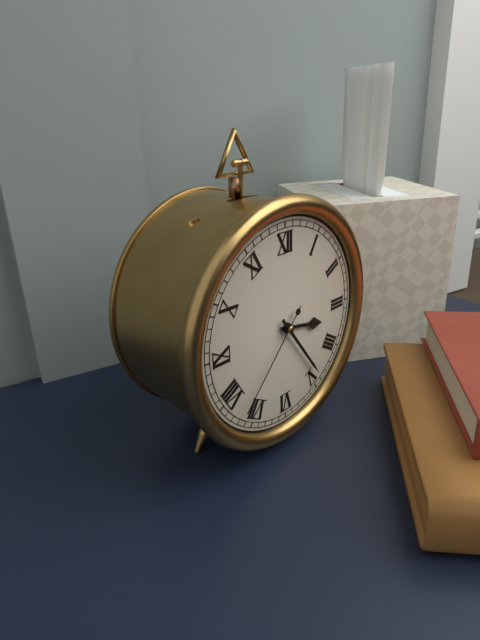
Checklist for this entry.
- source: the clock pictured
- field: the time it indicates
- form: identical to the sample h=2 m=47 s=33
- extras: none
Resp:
h=3 m=24 s=37
